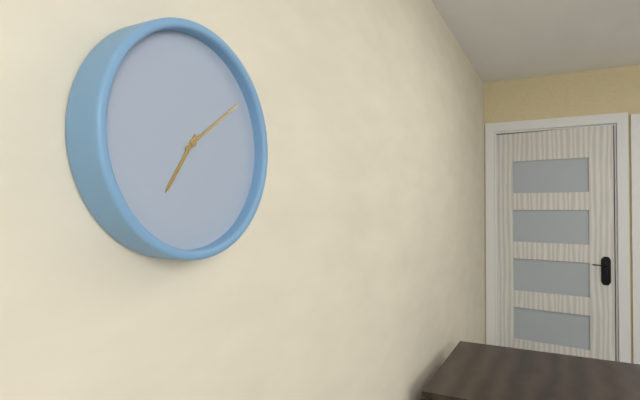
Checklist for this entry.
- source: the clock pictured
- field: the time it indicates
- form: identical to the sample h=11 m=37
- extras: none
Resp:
h=7 m=9
